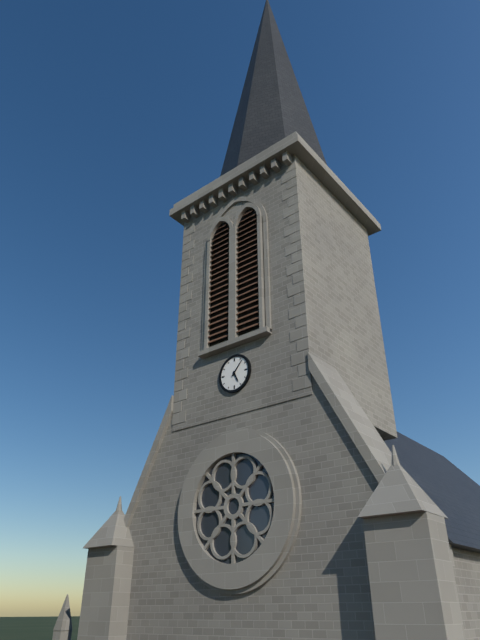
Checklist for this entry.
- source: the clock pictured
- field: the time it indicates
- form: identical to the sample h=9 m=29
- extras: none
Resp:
h=5 m=7
